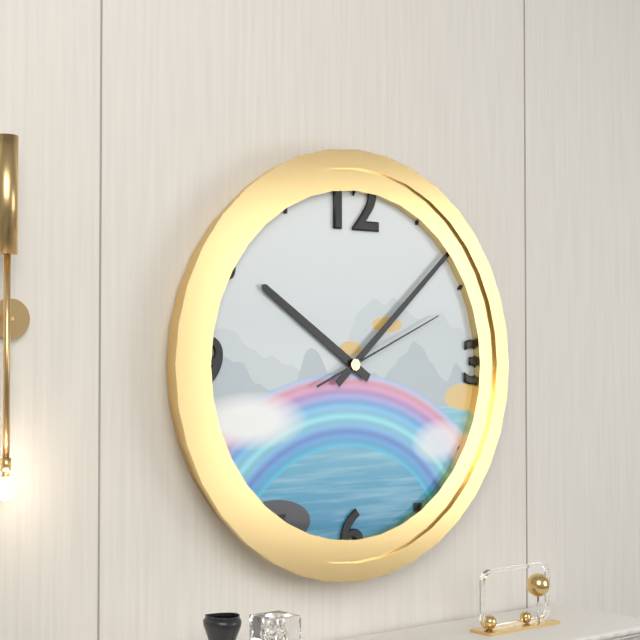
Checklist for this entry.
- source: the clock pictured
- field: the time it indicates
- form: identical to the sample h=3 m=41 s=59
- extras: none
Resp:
h=10 m=8 s=11
